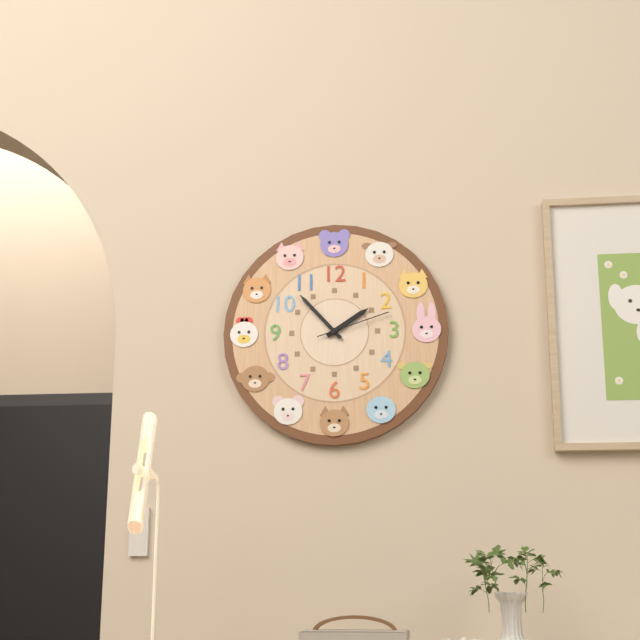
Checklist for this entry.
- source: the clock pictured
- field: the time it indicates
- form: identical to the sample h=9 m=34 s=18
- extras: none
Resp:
h=1 m=53 s=12
